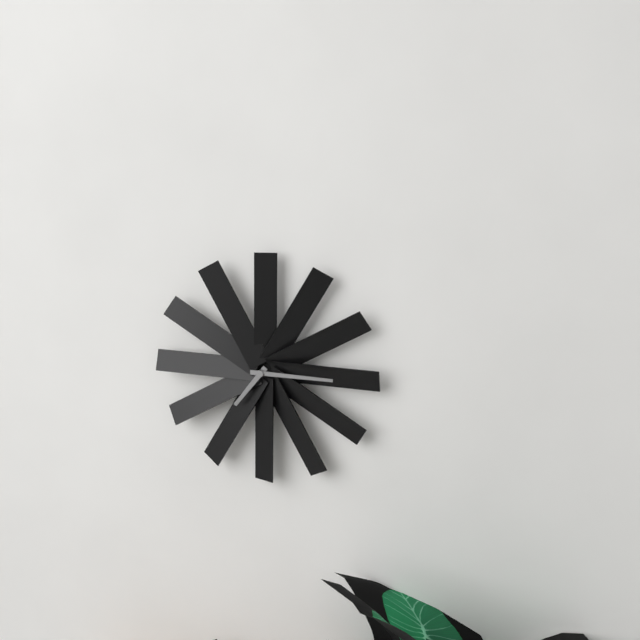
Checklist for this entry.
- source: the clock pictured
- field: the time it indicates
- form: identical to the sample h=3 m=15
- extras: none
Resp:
h=7 m=15
